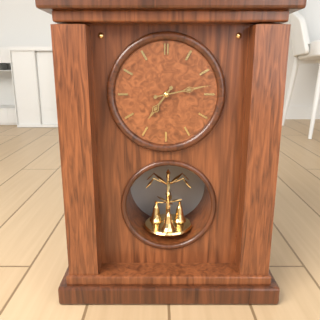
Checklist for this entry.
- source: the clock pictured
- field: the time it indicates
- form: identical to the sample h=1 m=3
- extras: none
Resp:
h=7 m=13
